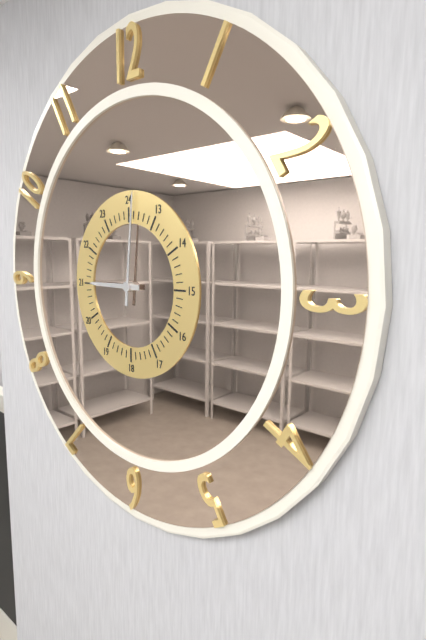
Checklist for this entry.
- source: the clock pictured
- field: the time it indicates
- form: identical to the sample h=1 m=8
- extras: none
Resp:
h=9 m=1
